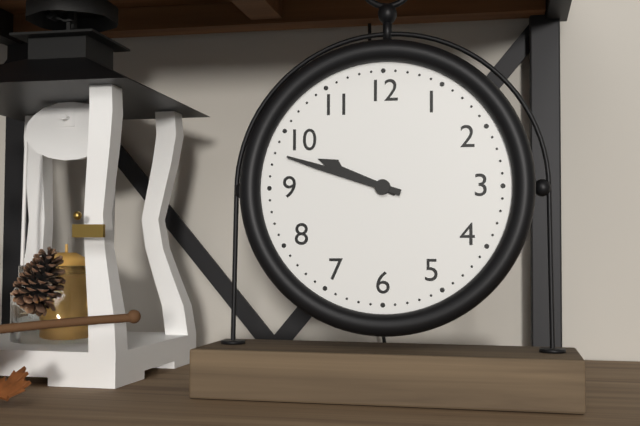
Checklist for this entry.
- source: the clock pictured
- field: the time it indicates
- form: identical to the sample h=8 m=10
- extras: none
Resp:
h=9 m=48
